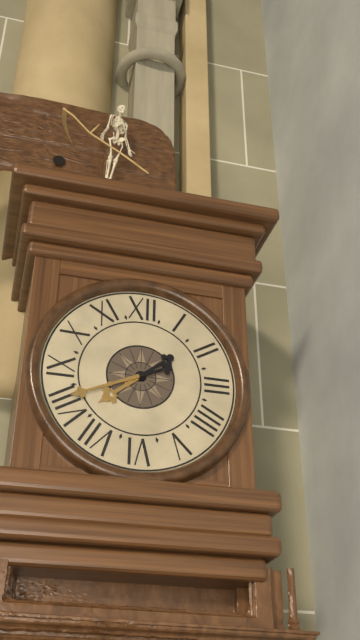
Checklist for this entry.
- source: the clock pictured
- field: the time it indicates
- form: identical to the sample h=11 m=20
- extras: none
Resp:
h=7 m=41
